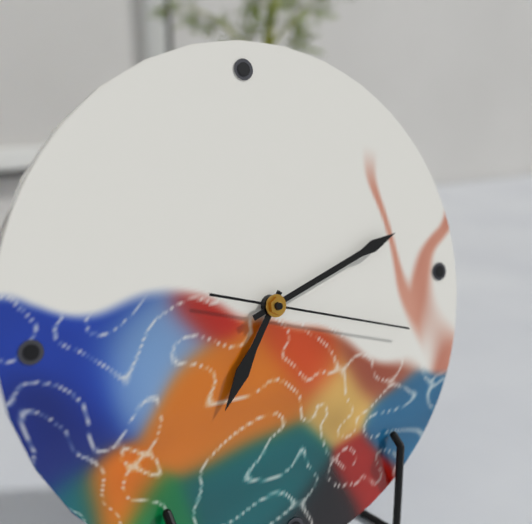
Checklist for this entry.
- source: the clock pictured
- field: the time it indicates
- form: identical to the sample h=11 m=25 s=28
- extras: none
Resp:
h=7 m=12 s=18
